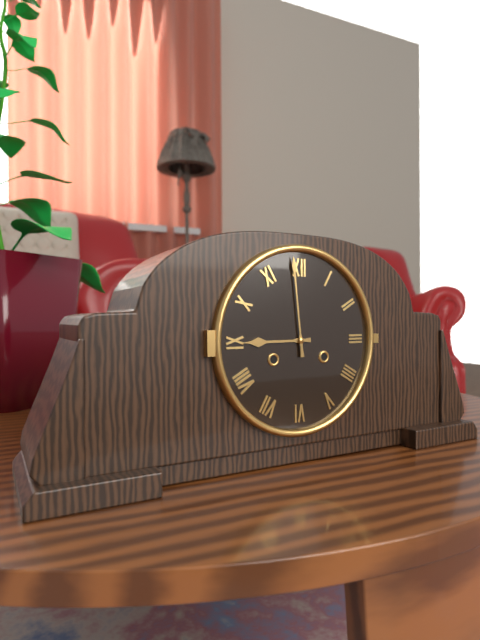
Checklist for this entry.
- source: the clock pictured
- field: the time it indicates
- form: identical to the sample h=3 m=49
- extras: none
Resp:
h=8 m=59
